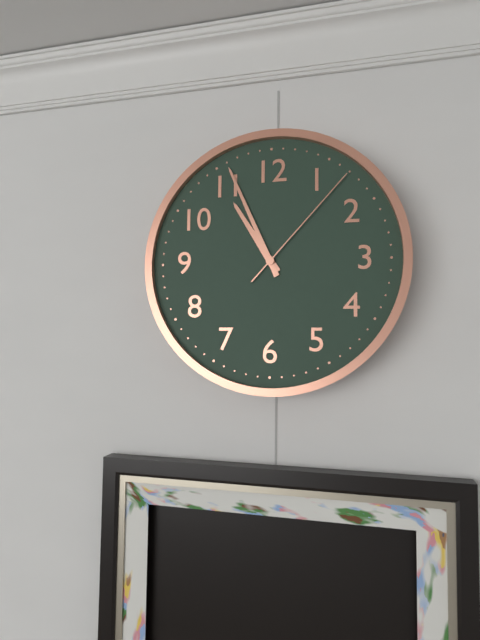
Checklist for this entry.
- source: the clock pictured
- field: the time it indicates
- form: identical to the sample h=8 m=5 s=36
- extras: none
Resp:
h=10 m=56 s=7
